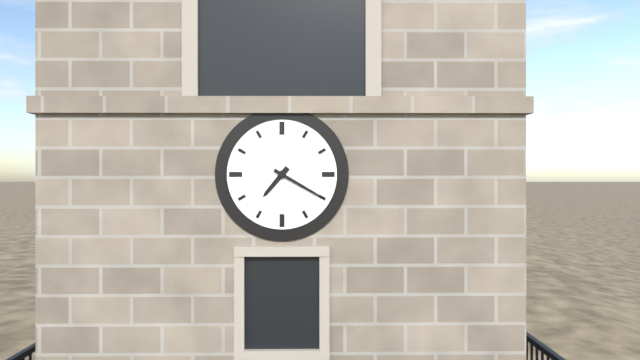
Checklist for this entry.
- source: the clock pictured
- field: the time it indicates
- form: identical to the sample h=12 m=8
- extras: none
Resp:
h=7 m=20
